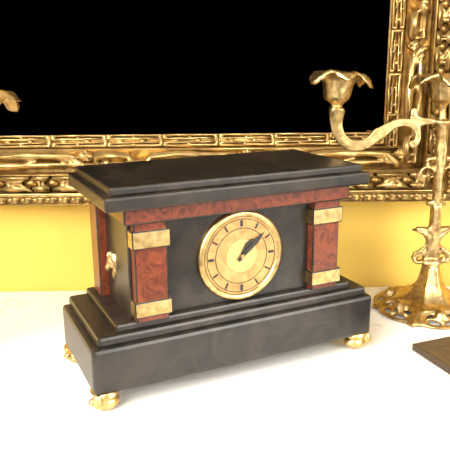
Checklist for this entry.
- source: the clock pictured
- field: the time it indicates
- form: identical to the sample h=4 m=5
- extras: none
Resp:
h=1 m=8
